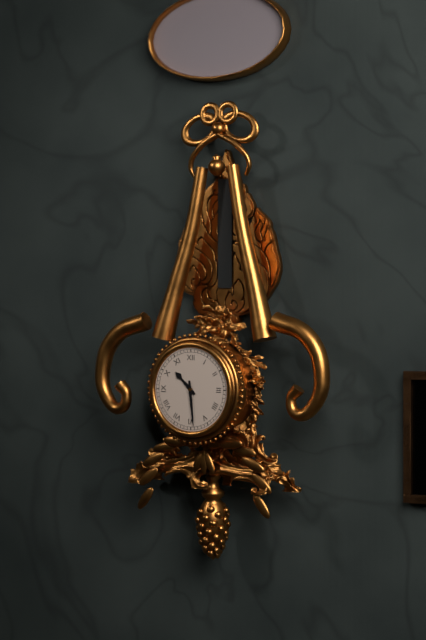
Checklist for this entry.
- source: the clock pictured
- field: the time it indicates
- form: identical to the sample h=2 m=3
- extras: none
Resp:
h=10 m=29
